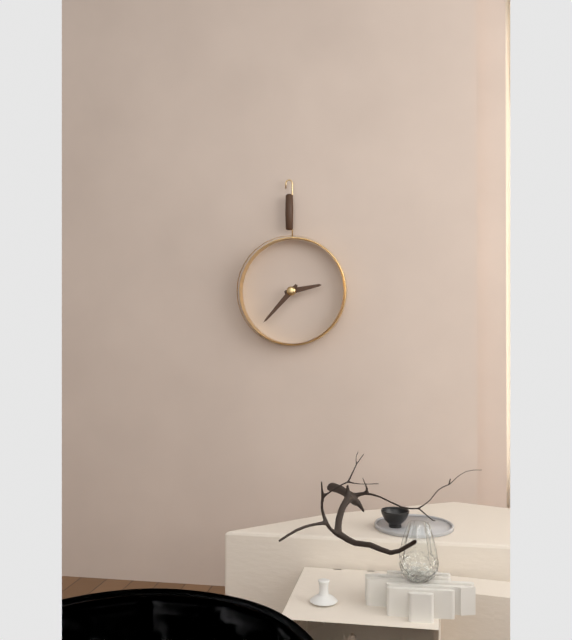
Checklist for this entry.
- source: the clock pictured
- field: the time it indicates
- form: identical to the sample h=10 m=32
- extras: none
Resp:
h=2 m=37
